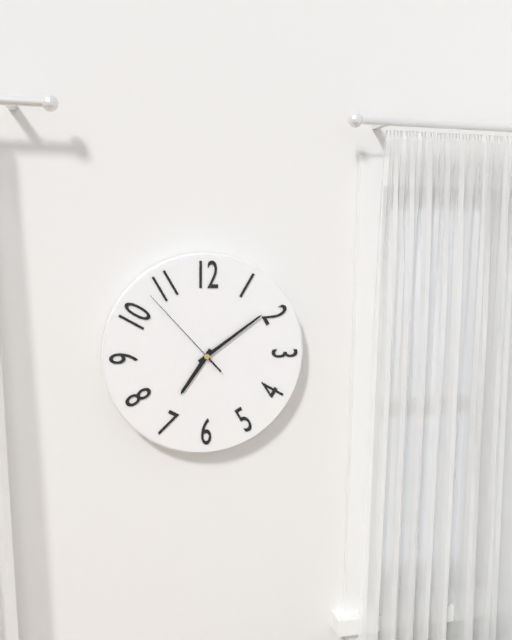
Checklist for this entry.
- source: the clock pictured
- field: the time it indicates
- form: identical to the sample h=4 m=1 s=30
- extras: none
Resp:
h=7 m=9 s=53
